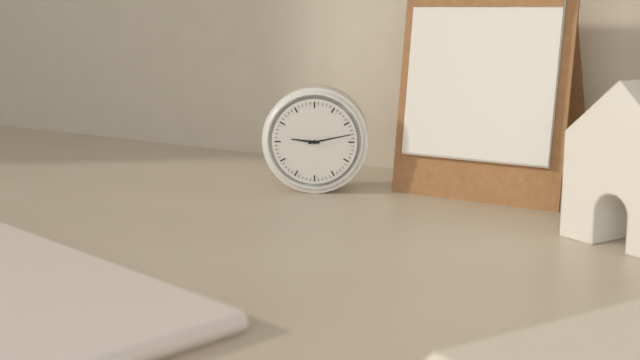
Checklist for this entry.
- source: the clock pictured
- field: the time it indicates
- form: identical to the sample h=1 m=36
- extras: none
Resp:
h=9 m=13
